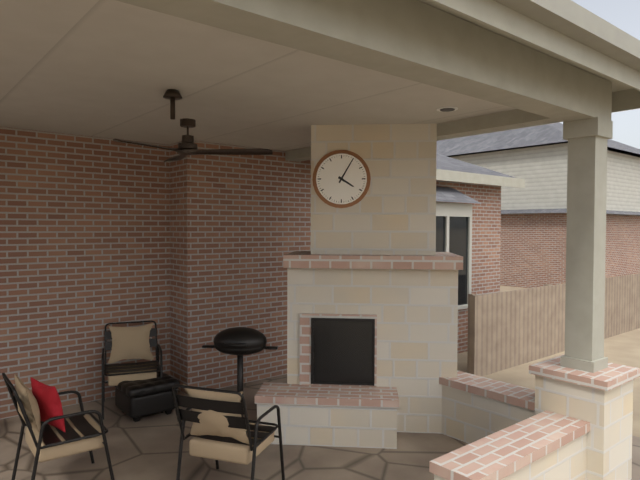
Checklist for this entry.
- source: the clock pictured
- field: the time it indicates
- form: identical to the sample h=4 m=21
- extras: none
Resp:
h=4 m=5
